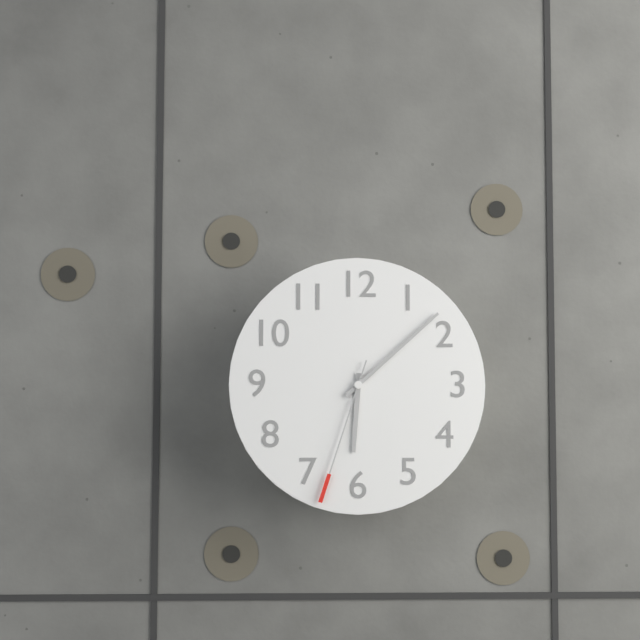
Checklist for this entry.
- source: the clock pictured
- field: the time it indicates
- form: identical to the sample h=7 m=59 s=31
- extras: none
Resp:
h=6 m=8 s=33
